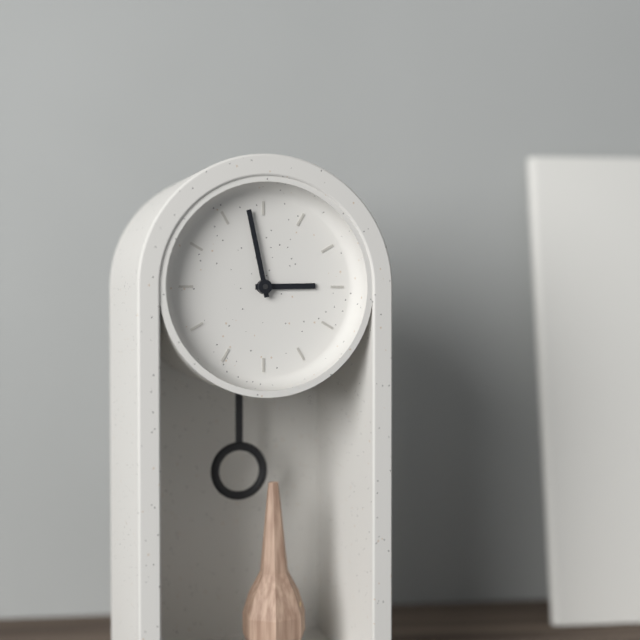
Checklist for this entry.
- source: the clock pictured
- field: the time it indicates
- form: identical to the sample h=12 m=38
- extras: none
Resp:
h=2 m=58
